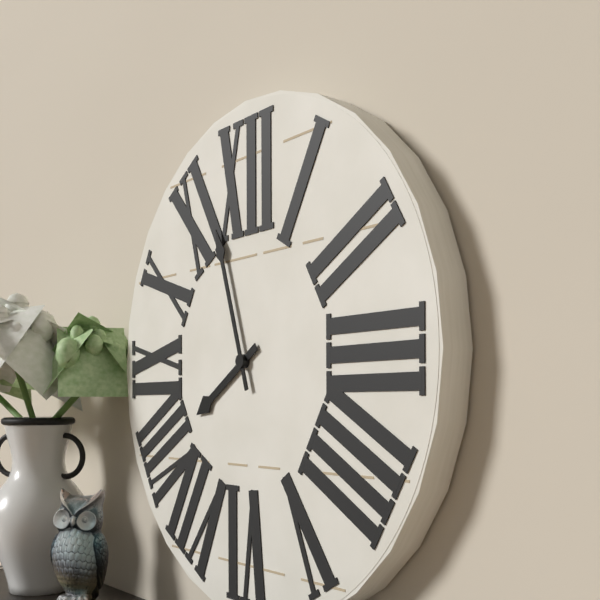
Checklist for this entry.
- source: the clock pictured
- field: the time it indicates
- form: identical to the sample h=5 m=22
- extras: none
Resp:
h=7 m=57
